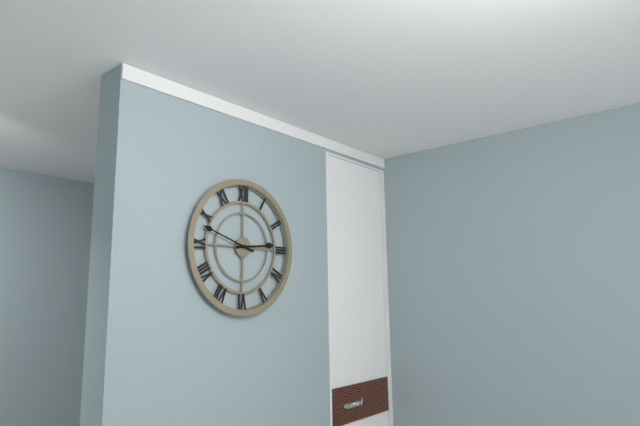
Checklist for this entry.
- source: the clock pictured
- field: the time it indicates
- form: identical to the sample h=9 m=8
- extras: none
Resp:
h=2 m=48
